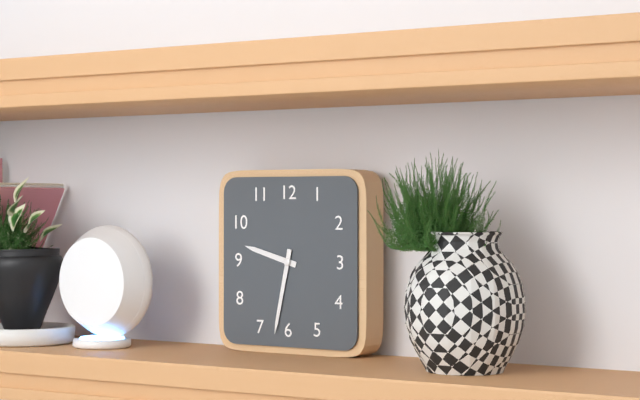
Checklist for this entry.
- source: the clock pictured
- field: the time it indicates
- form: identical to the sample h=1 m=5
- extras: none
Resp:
h=9 m=32
